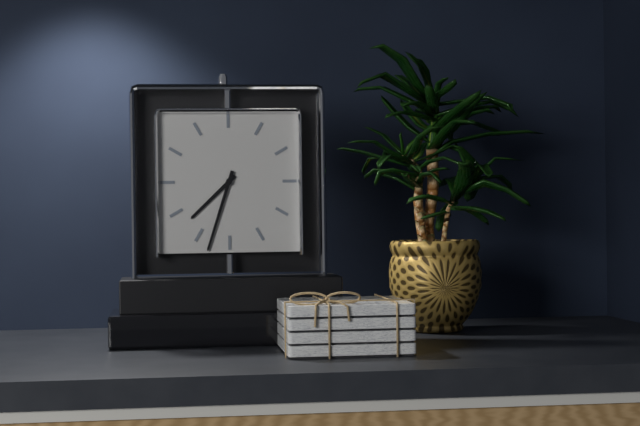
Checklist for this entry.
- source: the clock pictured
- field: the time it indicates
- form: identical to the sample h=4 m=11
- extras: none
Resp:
h=7 m=33
